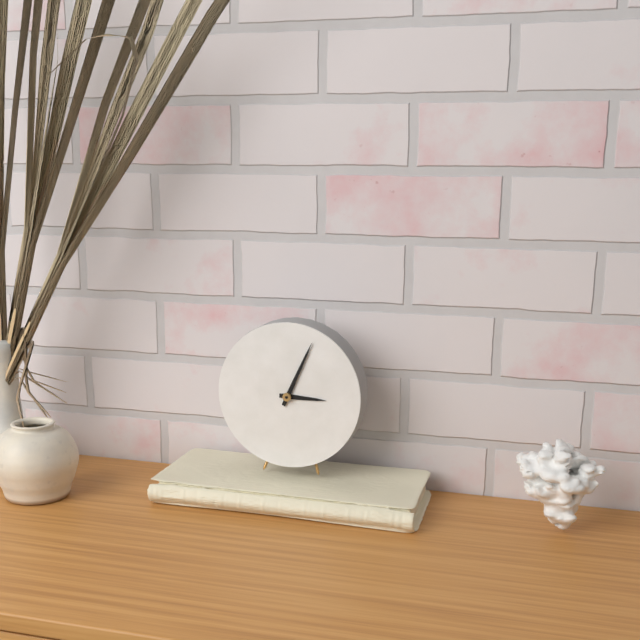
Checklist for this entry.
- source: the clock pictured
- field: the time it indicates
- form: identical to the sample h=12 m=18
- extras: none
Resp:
h=3 m=4
